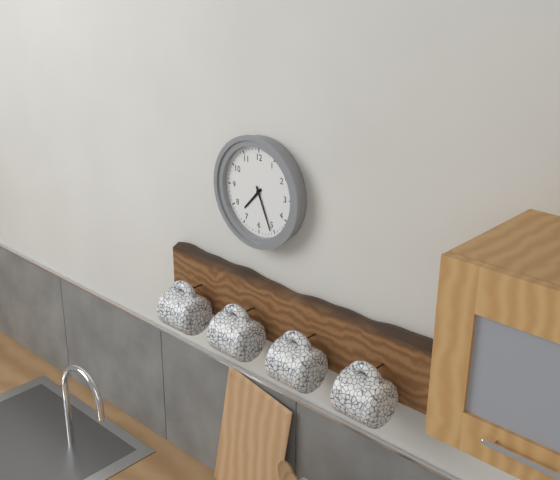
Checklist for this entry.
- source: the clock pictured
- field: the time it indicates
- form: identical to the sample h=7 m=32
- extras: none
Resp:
h=7 m=26
